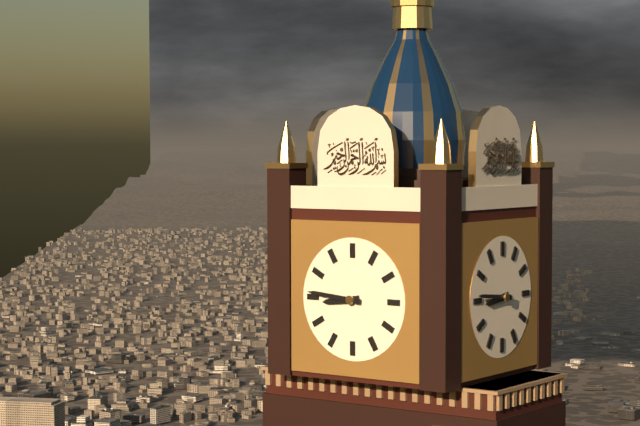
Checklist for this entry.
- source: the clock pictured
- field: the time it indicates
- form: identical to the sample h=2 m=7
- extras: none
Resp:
h=8 m=46
